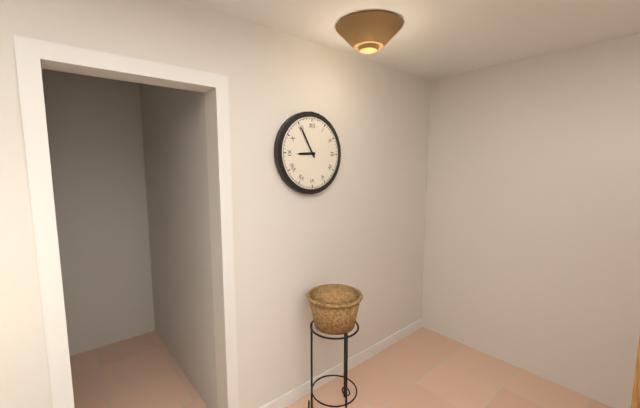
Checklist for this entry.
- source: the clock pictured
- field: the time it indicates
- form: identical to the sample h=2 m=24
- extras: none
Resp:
h=8 m=55
